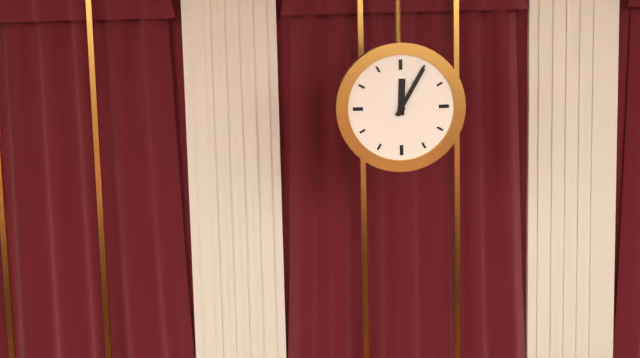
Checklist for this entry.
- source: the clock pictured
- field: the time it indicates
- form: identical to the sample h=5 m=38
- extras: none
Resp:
h=12 m=5
